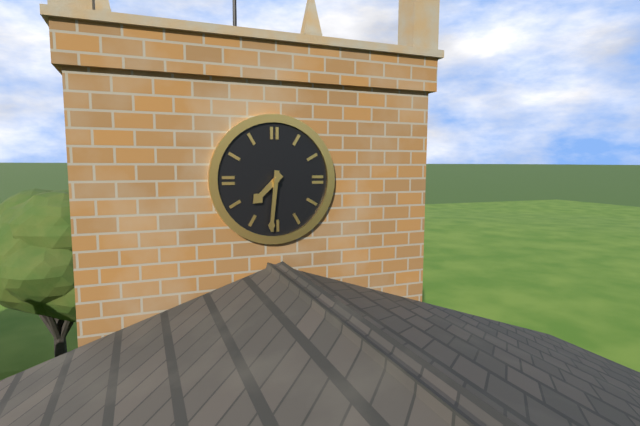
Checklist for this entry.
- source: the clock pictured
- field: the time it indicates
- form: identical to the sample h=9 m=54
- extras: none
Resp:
h=7 m=31
